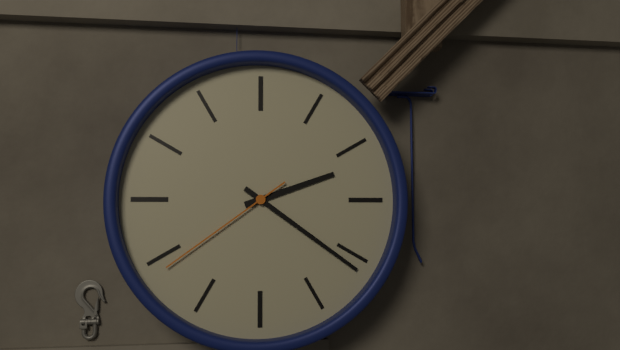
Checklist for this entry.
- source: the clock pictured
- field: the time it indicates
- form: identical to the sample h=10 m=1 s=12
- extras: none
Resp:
h=2 m=21 s=39
